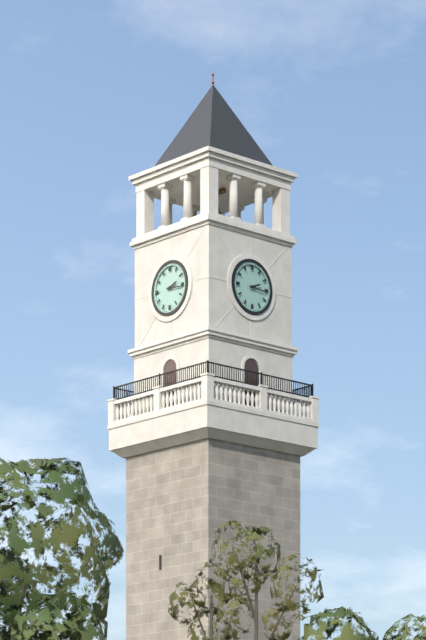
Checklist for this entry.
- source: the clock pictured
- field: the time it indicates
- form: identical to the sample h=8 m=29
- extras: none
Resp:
h=2 m=16
